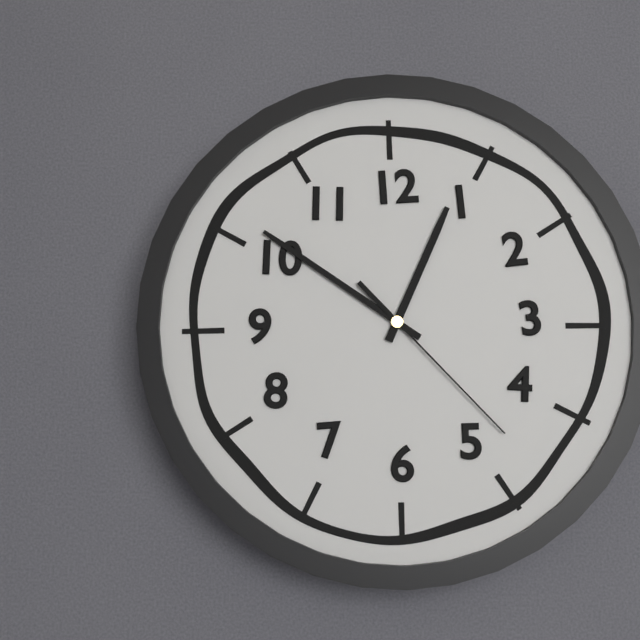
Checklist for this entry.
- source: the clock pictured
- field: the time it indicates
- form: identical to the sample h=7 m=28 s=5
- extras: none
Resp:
h=12 m=51 s=23
